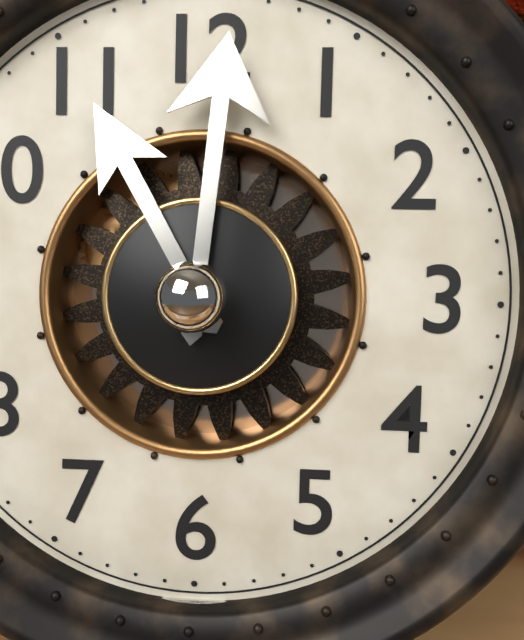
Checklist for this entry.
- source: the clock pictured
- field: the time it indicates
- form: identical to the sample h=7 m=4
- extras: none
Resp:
h=11 m=1
